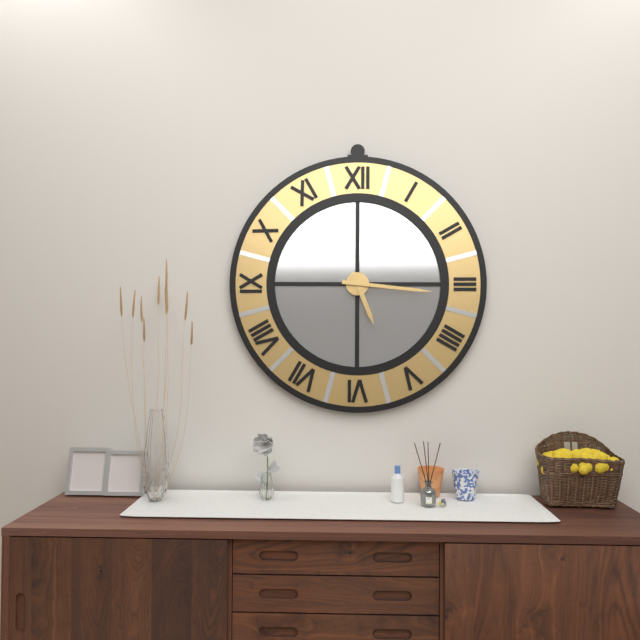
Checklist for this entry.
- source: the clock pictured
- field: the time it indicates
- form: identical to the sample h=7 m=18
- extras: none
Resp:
h=5 m=16
